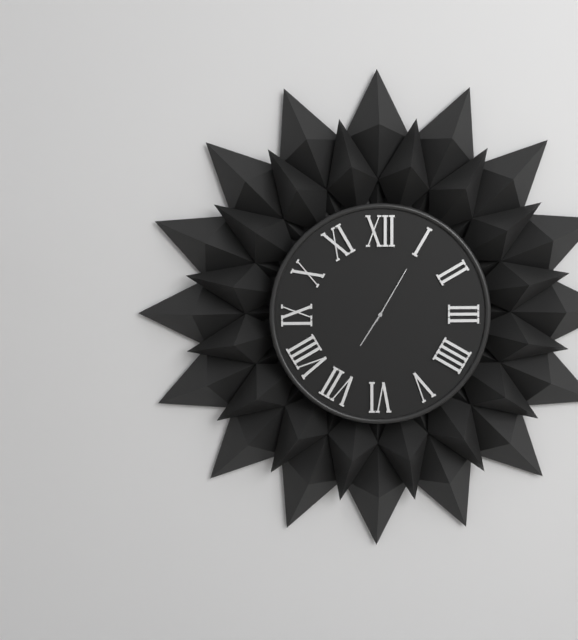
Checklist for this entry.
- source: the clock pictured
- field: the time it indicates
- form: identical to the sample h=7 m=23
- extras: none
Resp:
h=7 m=5
